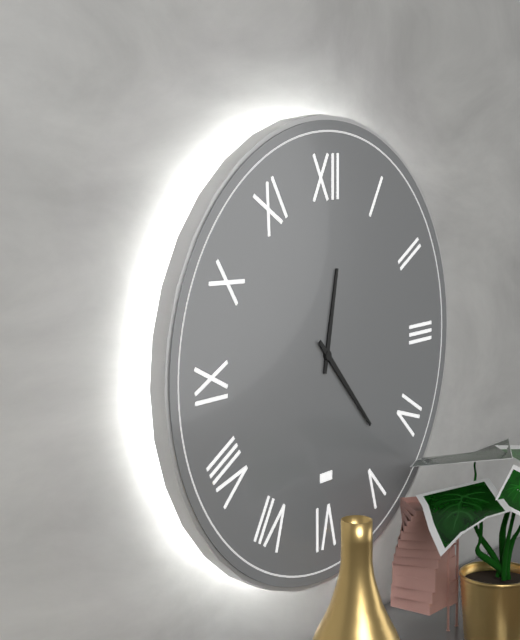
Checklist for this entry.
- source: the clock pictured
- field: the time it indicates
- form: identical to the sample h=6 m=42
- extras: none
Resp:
h=12 m=23
